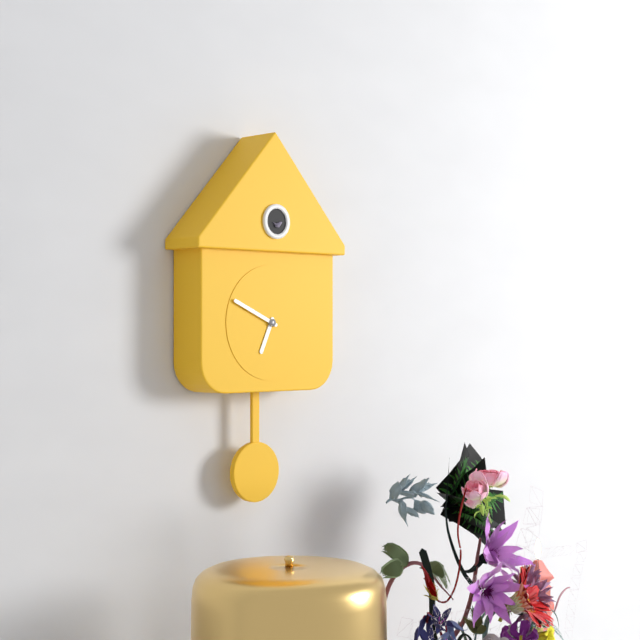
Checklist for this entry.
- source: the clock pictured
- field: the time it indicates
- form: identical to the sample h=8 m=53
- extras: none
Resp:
h=6 m=49
